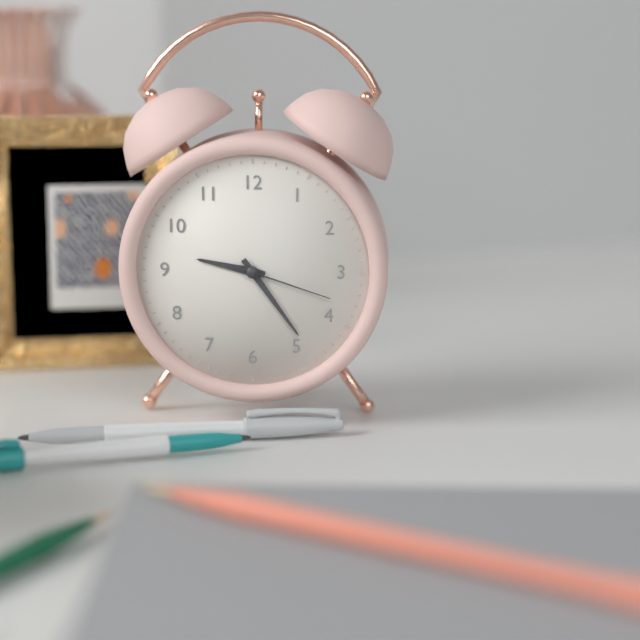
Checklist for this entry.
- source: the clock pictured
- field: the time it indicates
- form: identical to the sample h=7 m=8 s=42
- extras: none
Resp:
h=9 m=24 s=18
